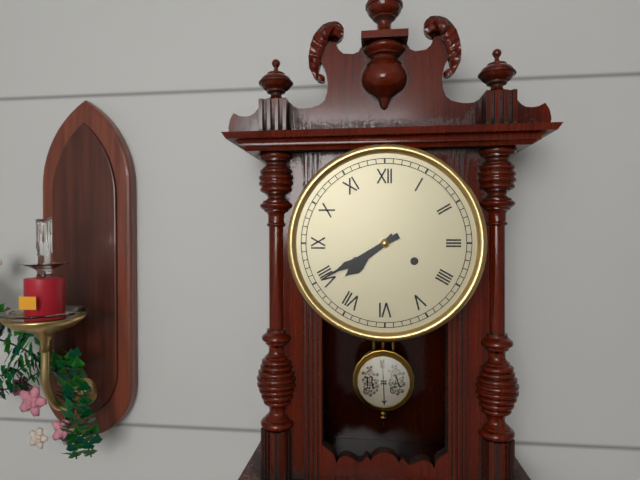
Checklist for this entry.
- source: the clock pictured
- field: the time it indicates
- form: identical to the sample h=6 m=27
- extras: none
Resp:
h=7 m=40
